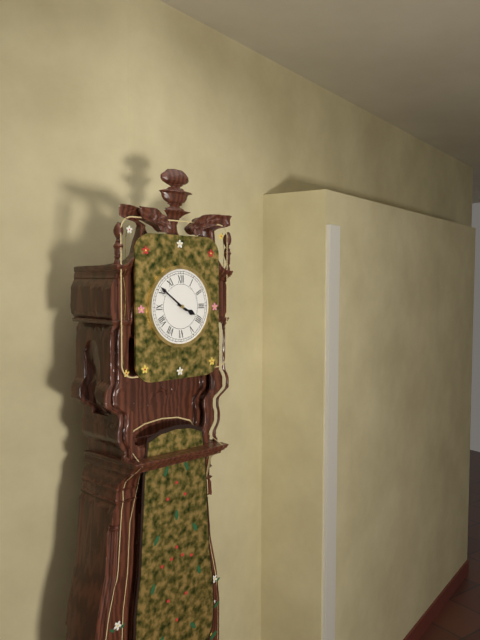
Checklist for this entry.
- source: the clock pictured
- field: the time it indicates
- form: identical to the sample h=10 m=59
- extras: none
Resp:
h=3 m=51
